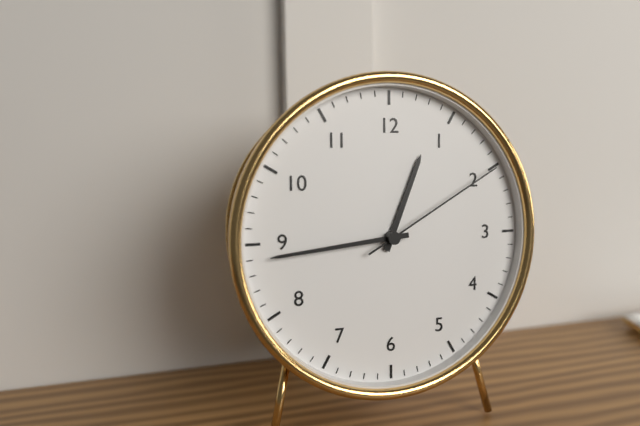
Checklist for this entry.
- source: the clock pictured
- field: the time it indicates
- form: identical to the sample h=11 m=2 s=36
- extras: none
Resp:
h=12 m=44 s=10
